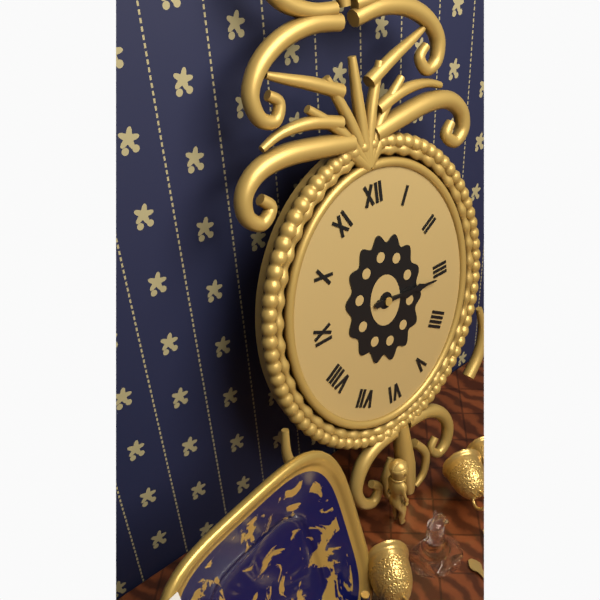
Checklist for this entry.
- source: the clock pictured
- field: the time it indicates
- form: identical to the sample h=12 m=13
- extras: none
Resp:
h=3 m=16
